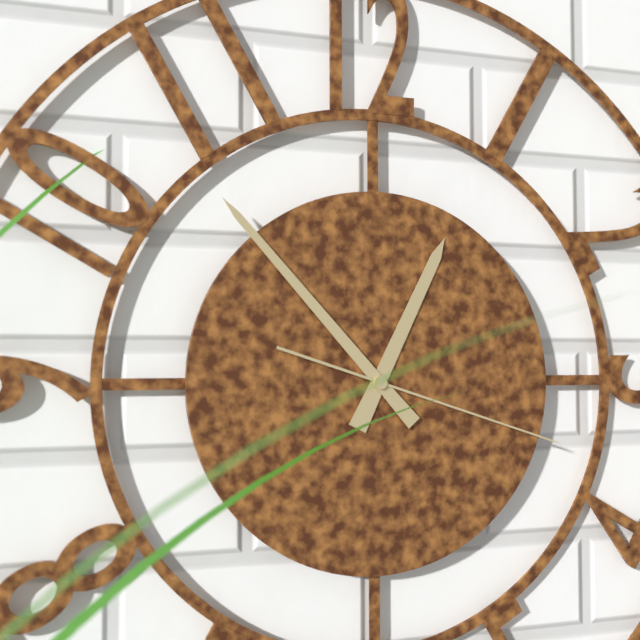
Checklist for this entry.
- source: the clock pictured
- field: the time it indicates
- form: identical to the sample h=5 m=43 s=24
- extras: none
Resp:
h=12 m=53 s=18
